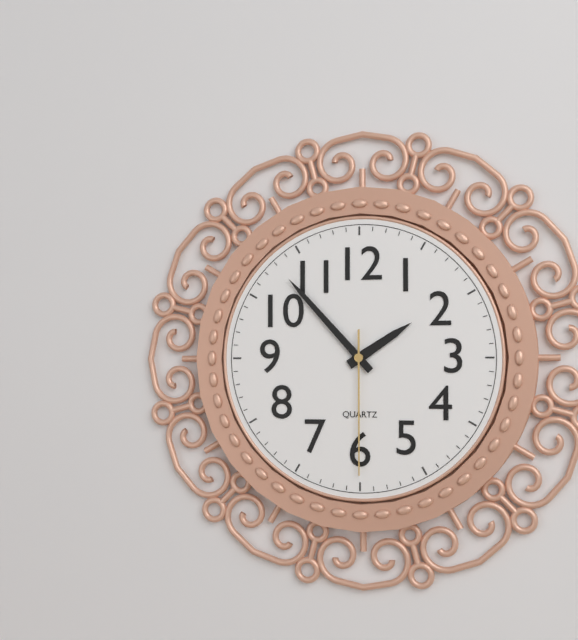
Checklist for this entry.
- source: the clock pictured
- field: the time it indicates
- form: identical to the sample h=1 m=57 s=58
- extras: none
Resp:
h=1 m=53 s=30
